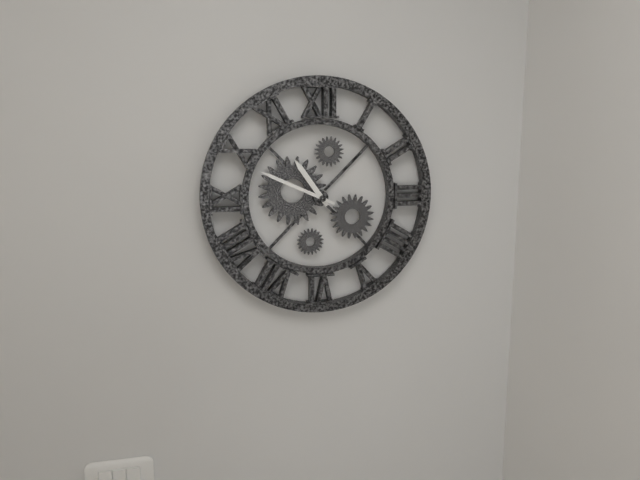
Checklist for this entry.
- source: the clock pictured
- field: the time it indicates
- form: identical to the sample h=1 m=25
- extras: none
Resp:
h=10 m=49
